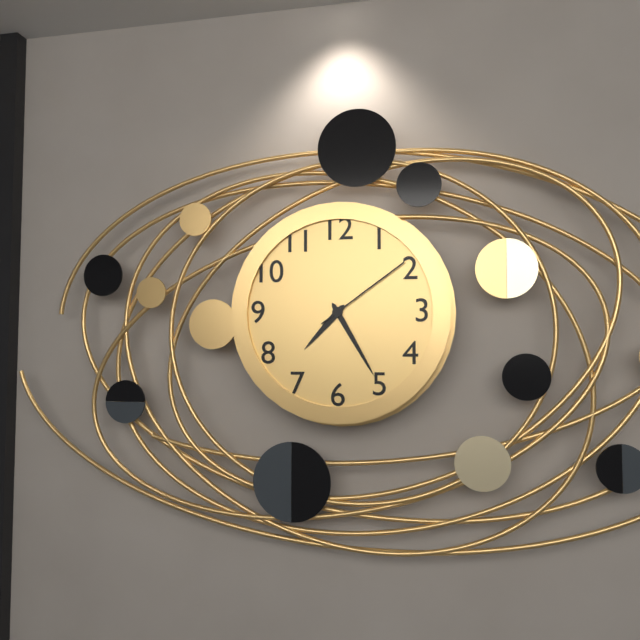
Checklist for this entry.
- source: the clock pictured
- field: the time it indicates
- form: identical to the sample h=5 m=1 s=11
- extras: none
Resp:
h=7 m=25 s=9
